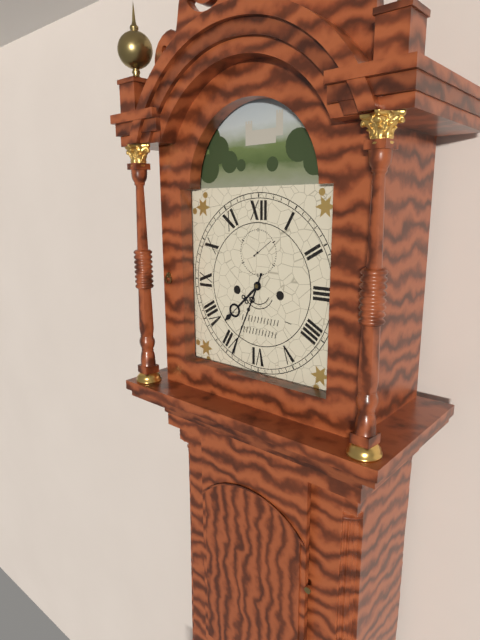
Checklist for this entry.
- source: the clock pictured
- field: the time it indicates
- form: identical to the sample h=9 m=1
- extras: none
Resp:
h=7 m=34
